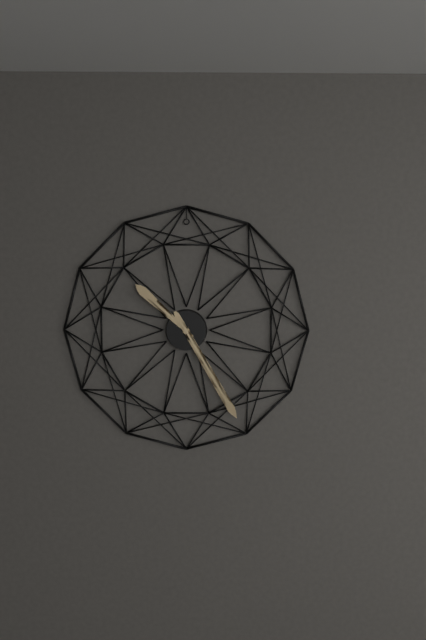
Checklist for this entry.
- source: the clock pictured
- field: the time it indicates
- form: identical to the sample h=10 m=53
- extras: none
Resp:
h=10 m=25
